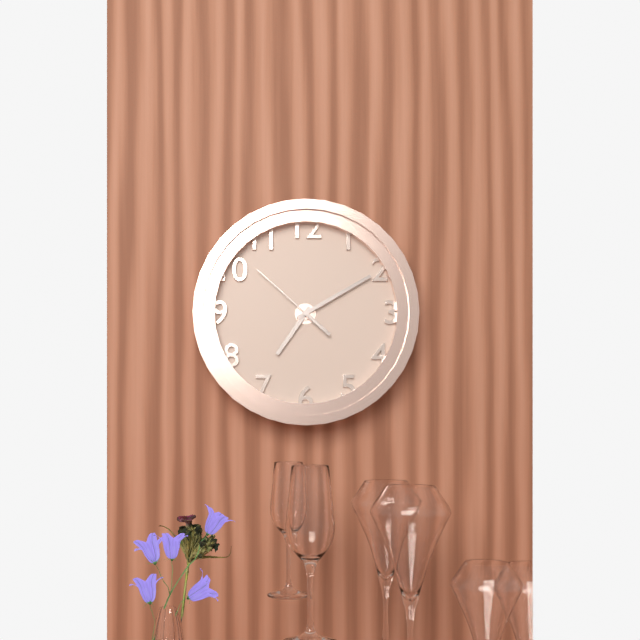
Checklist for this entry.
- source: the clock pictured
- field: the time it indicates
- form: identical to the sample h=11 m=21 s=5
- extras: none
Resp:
h=7 m=10 s=52
